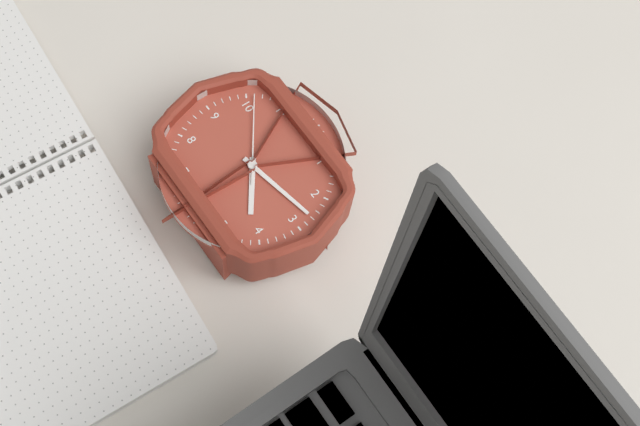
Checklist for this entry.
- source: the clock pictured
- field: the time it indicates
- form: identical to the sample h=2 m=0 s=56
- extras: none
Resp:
h=4 m=13 s=51
